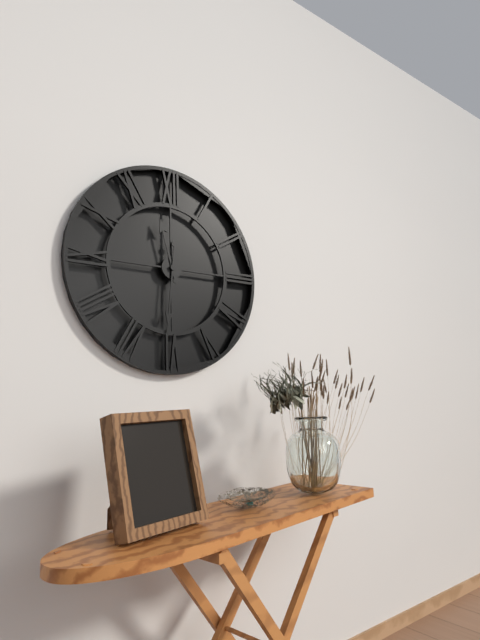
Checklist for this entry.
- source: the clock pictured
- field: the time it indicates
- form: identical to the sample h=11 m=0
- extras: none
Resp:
h=11 m=31
